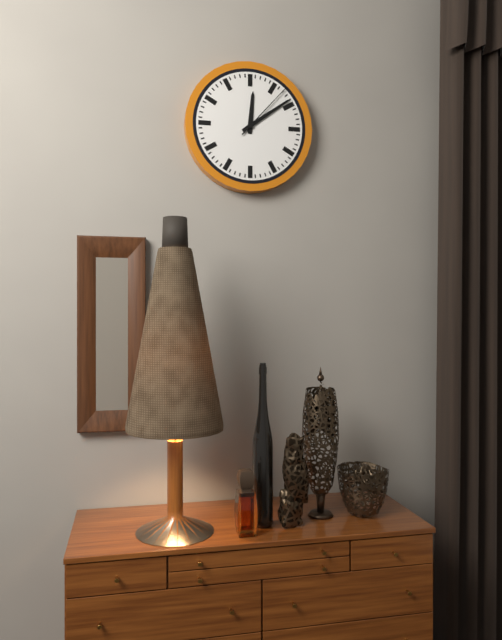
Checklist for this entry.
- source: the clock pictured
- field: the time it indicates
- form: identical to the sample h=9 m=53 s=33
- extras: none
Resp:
h=12 m=9 s=7
